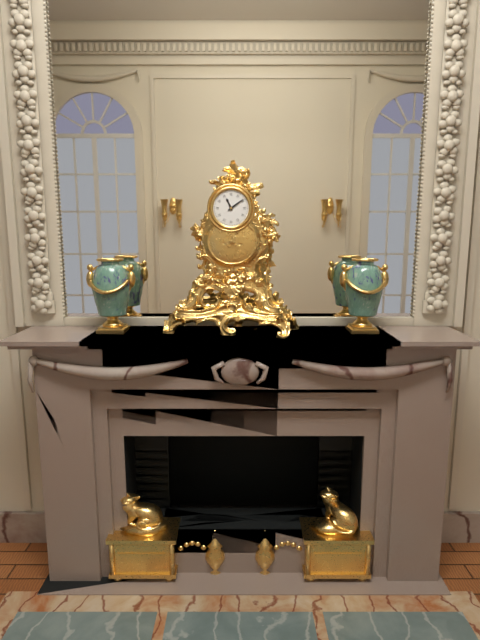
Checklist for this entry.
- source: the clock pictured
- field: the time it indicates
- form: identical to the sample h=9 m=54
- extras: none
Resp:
h=11 m=9
